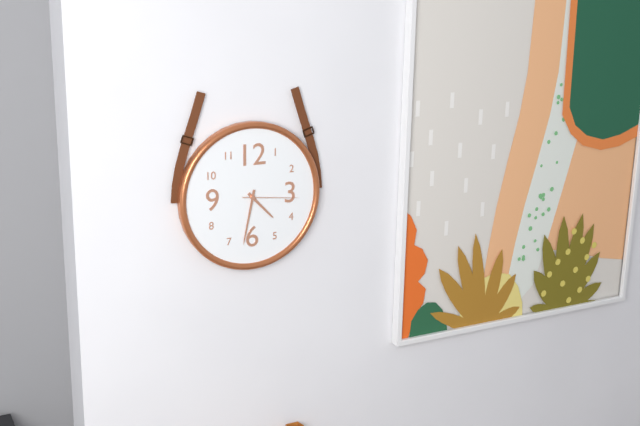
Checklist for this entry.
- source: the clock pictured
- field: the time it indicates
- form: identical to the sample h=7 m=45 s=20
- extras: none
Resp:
h=4 m=32 s=16
